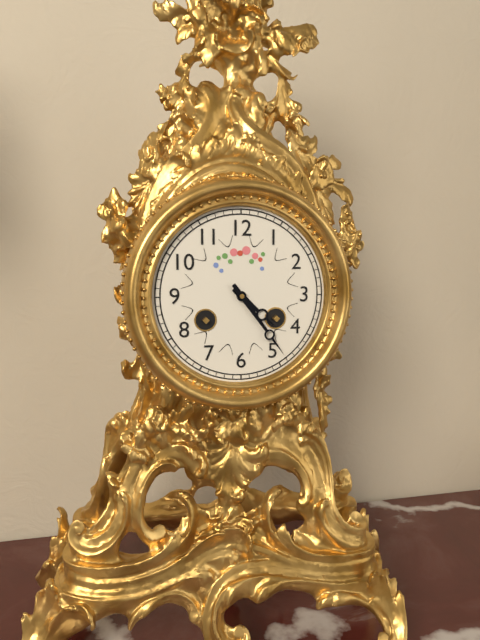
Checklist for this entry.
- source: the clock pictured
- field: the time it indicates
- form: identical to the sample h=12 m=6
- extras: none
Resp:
h=4 m=24
